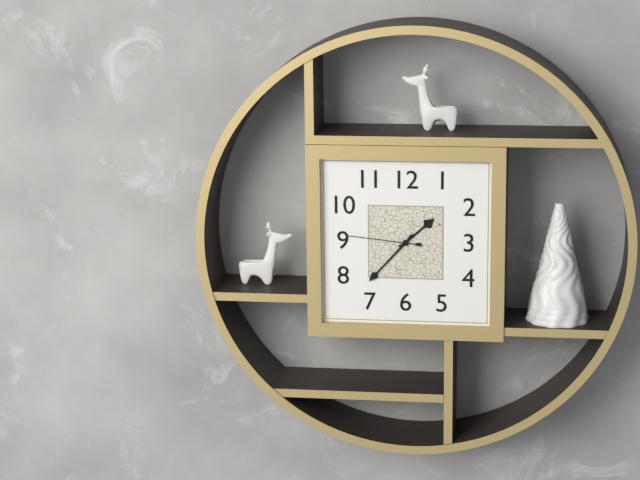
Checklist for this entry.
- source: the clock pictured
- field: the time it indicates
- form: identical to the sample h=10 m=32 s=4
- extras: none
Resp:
h=1 m=37 s=46
